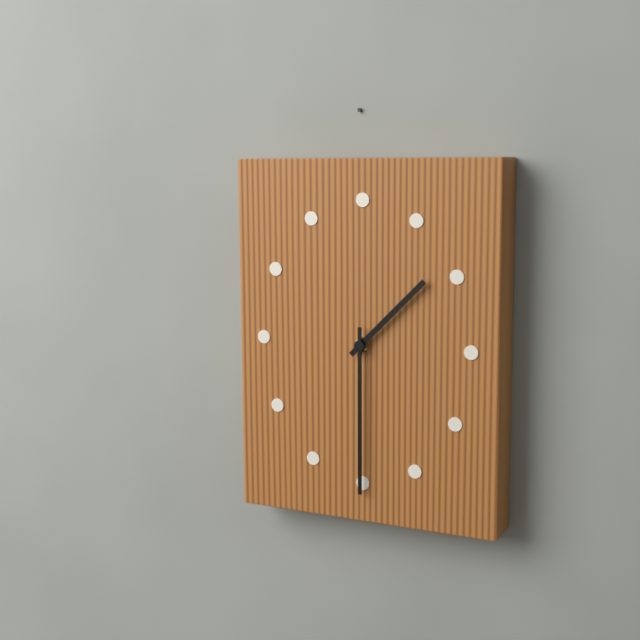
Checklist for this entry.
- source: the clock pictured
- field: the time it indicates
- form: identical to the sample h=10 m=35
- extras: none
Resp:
h=1 m=30
